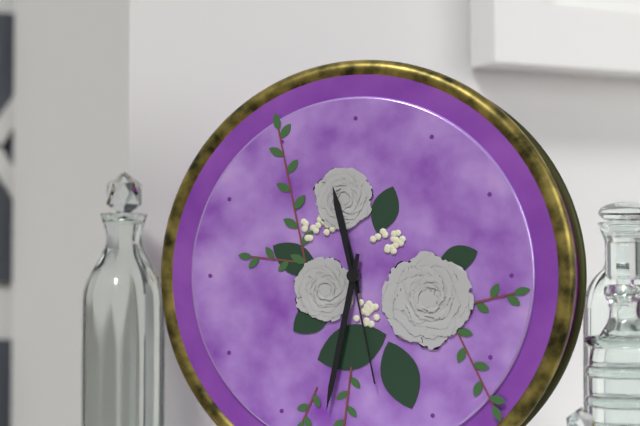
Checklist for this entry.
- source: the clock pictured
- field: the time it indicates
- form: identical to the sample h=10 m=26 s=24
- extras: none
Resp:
h=11 m=32 s=28
